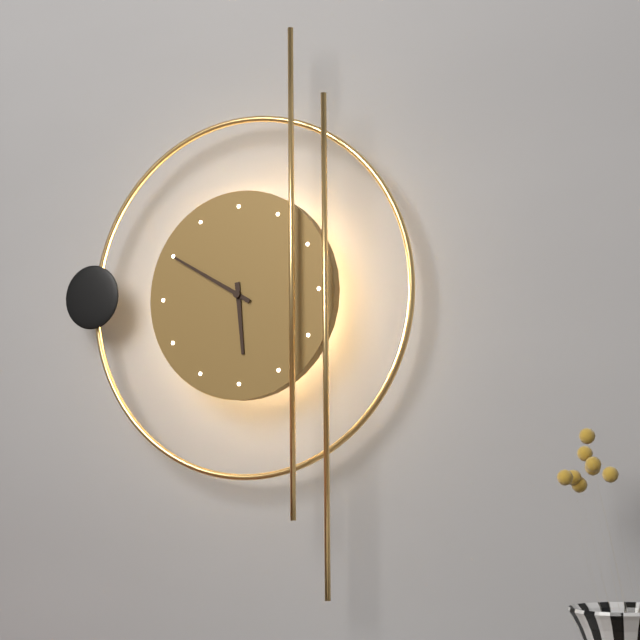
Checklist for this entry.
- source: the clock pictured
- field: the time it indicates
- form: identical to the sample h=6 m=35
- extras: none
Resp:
h=5 m=50
